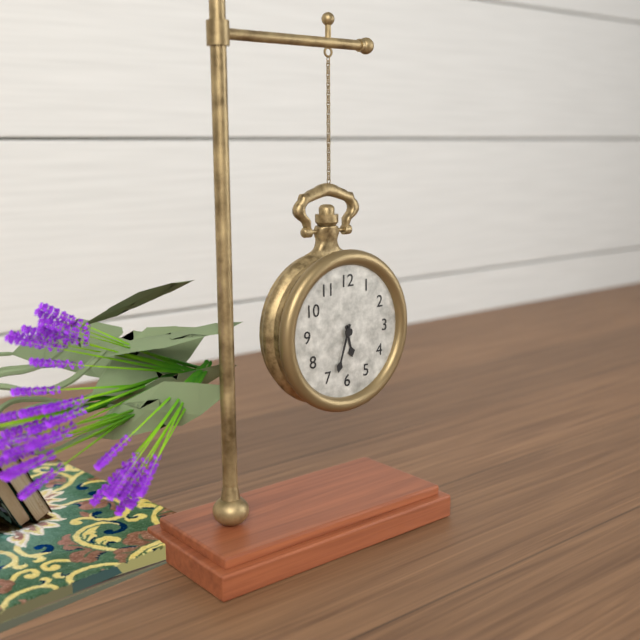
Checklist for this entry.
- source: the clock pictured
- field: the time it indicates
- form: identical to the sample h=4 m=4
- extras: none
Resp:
h=5 m=33
